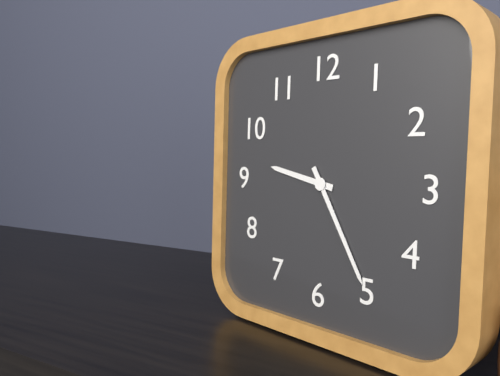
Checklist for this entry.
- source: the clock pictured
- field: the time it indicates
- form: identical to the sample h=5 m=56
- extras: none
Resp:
h=9 m=25
